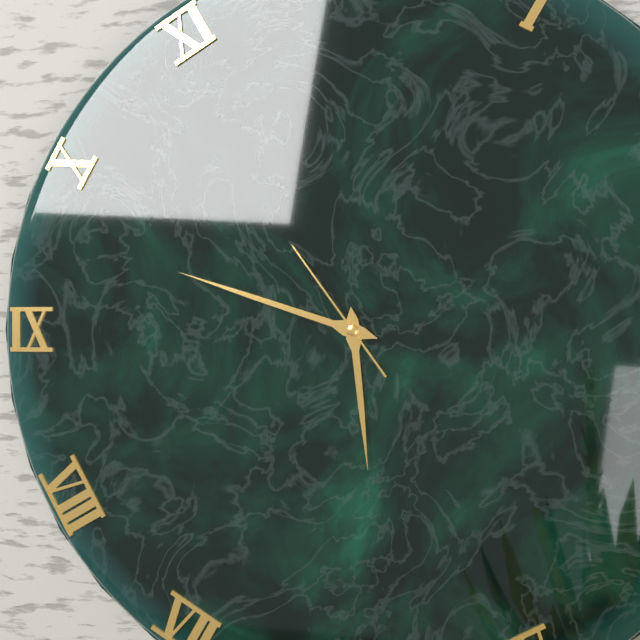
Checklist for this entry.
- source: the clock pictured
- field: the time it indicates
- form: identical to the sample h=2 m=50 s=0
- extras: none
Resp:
h=5 m=48 s=54
